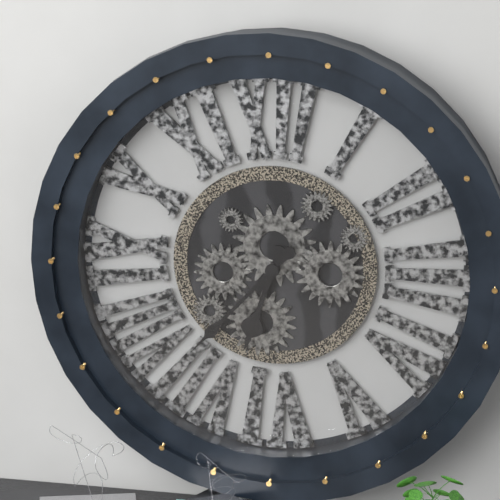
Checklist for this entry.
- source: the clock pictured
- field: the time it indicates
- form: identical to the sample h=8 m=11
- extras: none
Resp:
h=6 m=37
